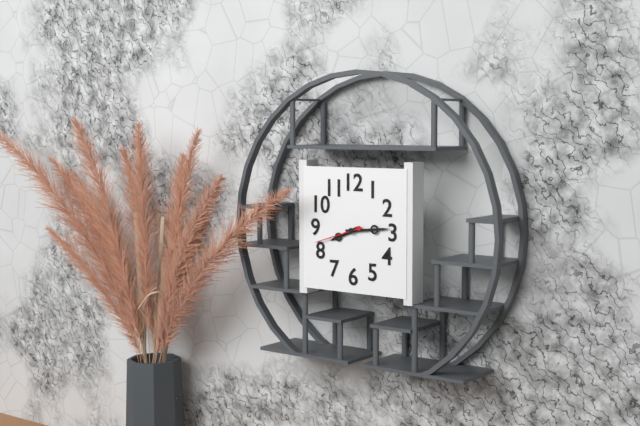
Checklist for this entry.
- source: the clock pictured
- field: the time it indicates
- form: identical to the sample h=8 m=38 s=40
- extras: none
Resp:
h=8 m=14 s=42
